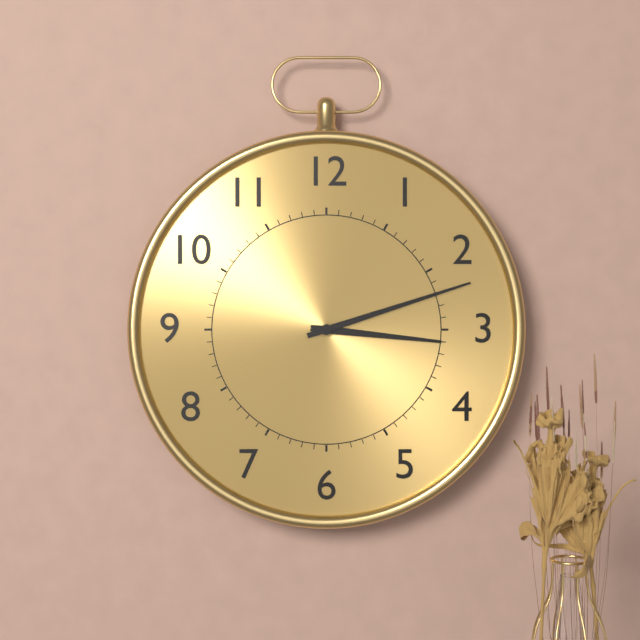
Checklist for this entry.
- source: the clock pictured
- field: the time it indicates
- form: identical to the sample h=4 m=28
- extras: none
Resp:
h=3 m=12
